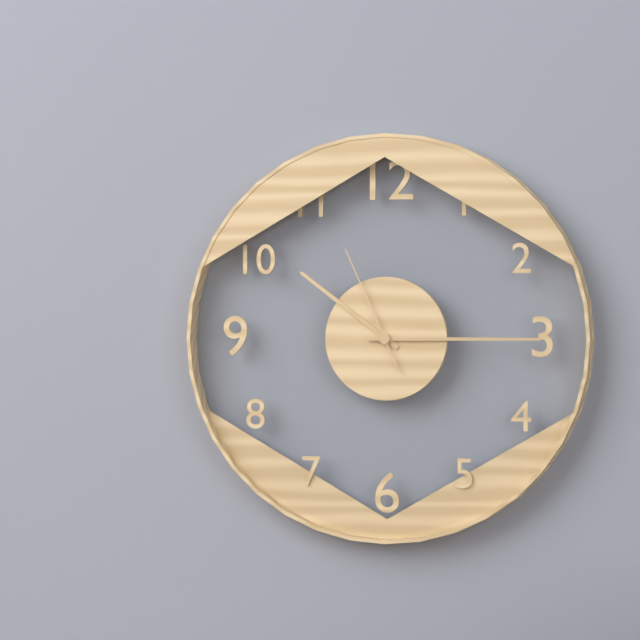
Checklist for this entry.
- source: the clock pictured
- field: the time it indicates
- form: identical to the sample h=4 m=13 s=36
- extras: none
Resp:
h=10 m=15 s=56
